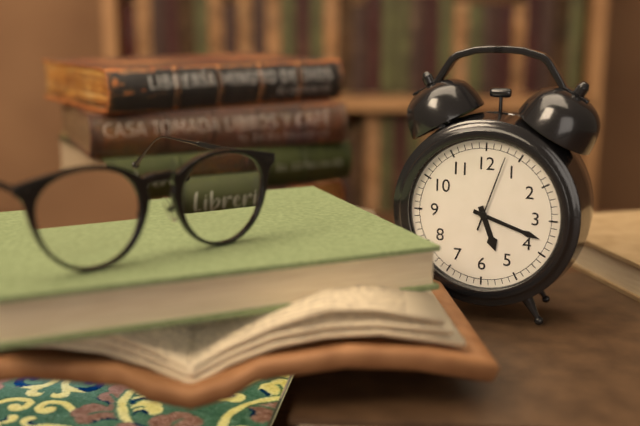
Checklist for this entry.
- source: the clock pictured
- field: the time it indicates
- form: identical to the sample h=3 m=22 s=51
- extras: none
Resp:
h=5 m=18 s=3
